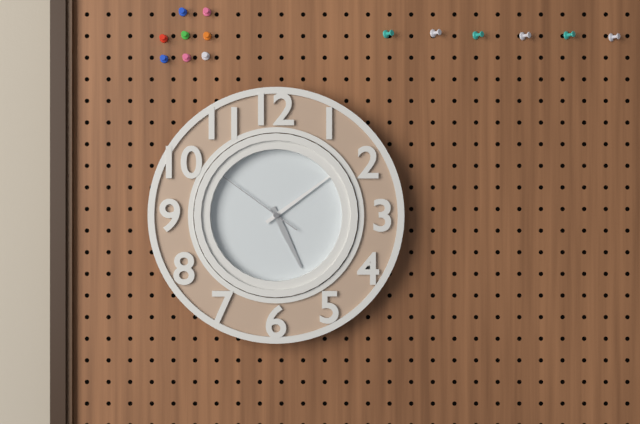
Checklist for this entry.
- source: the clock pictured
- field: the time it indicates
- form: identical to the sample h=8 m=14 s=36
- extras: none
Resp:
h=5 m=9 s=51
